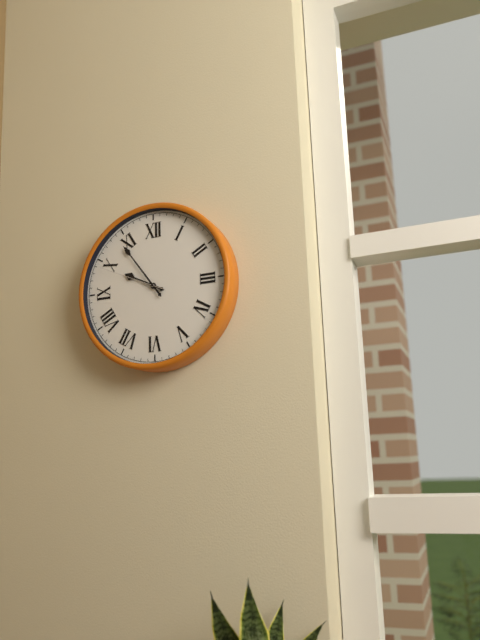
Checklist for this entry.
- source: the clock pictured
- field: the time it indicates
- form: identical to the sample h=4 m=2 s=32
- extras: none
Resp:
h=9 m=54 s=49
